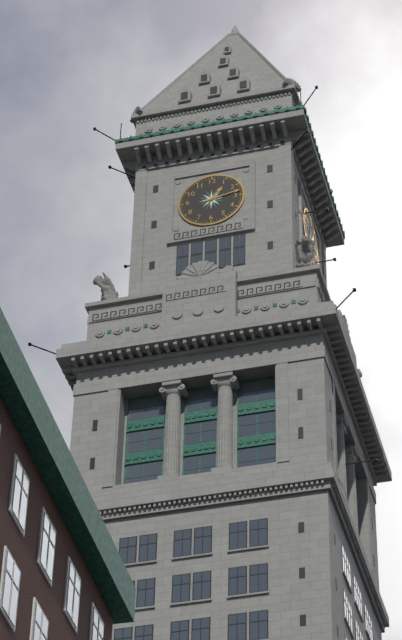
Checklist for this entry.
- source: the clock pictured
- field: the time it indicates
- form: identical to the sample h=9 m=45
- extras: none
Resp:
h=1 m=13
